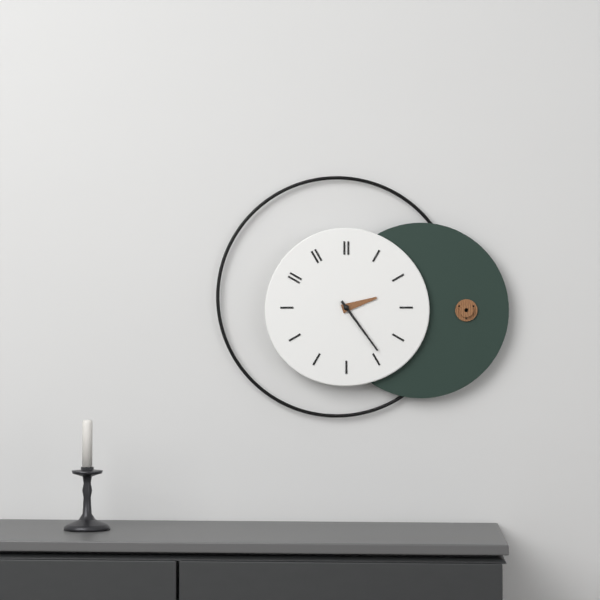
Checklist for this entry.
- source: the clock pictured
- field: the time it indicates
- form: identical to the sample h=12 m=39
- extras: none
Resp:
h=2 m=24
